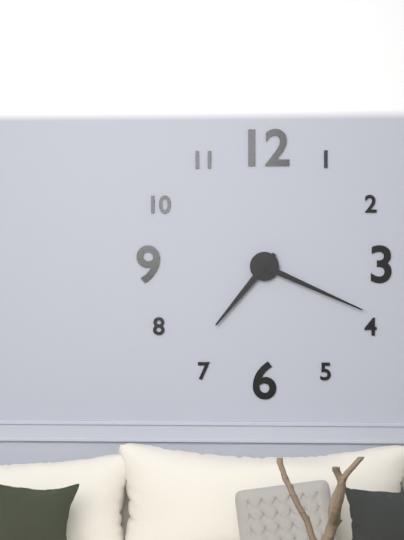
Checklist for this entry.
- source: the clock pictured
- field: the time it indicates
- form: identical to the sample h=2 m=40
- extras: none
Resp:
h=7 m=19
